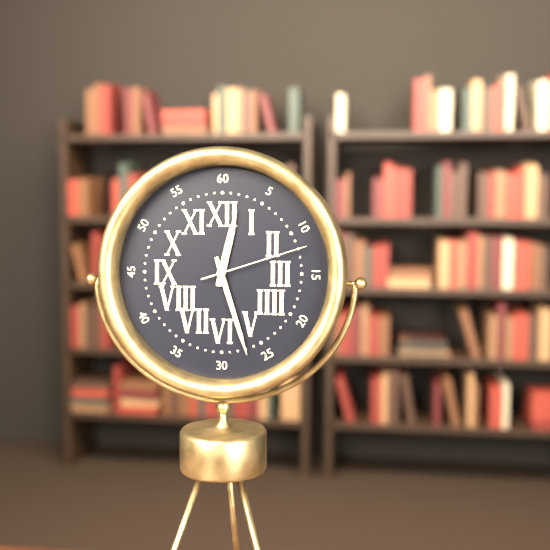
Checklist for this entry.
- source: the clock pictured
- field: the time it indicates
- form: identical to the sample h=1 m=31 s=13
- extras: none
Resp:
h=12 m=27 s=12
